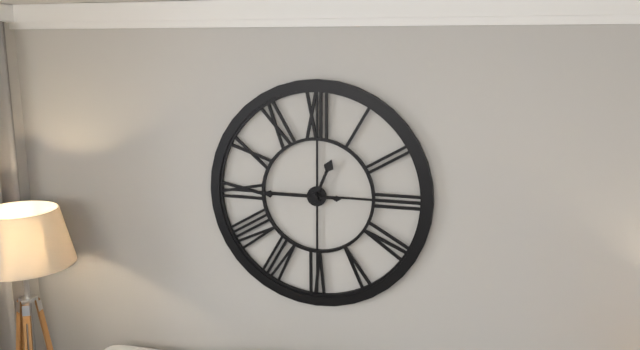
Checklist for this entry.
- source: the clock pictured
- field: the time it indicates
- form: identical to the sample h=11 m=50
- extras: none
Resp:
h=12 m=45
